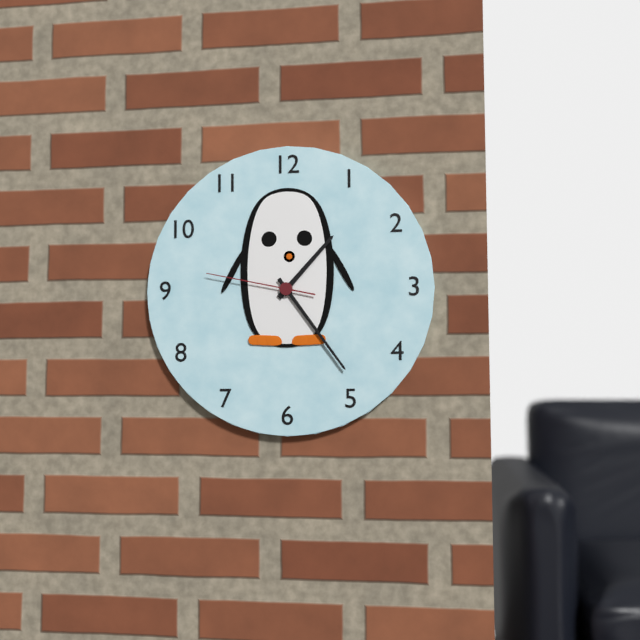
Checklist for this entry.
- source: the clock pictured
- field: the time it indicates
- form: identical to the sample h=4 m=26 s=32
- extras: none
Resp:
h=1 m=24 s=47
